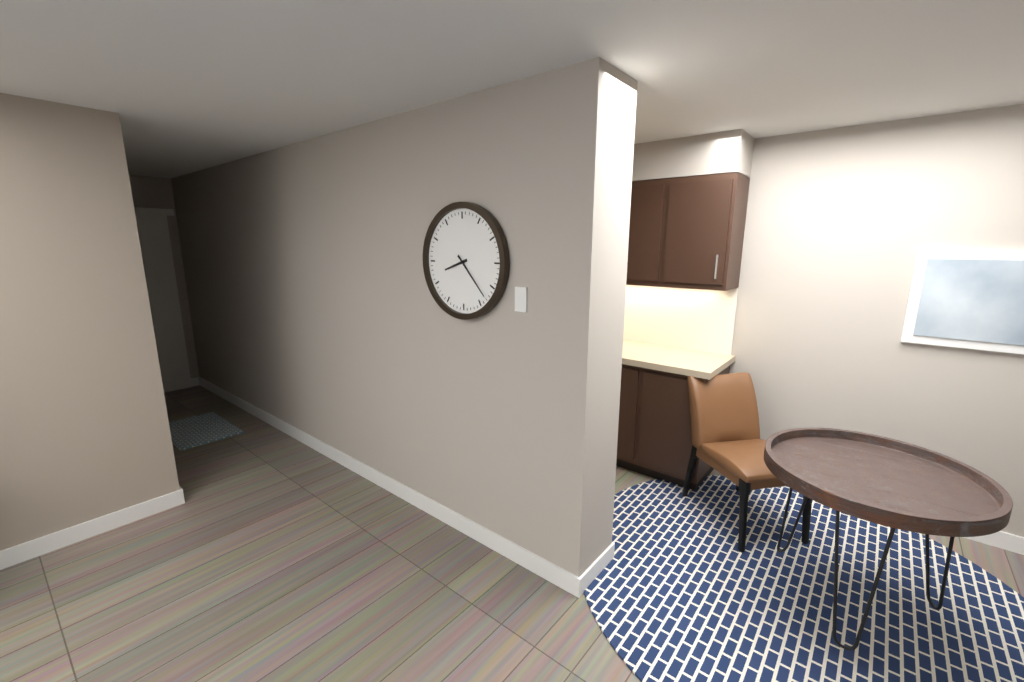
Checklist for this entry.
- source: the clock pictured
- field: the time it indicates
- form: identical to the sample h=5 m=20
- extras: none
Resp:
h=8 m=23
